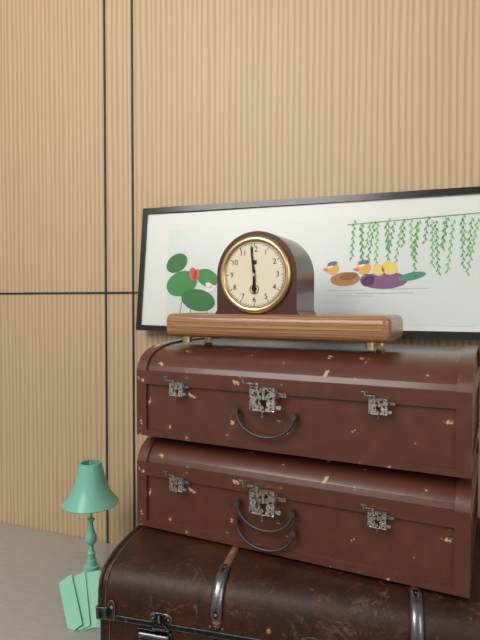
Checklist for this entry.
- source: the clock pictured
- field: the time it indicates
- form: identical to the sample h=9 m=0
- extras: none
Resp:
h=5 m=59
